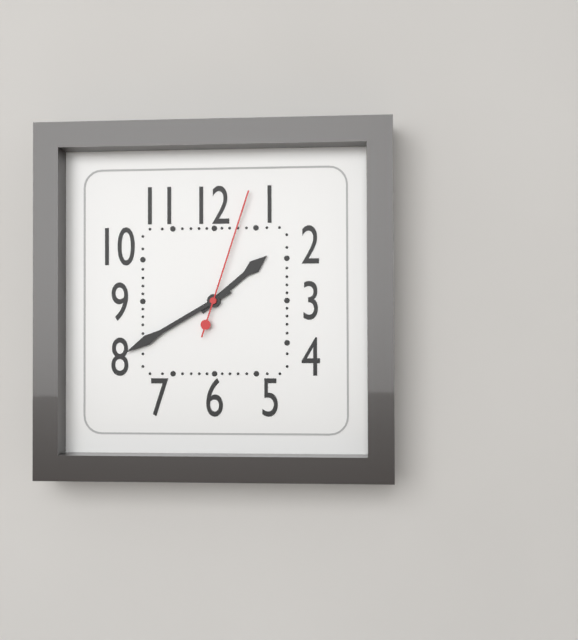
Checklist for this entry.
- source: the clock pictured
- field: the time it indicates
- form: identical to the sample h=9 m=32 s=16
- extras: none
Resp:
h=1 m=40 s=3
